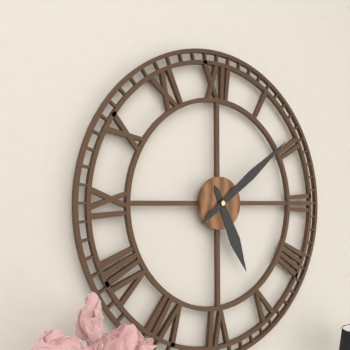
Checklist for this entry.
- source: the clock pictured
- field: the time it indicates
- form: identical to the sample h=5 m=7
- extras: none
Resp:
h=5 m=9
